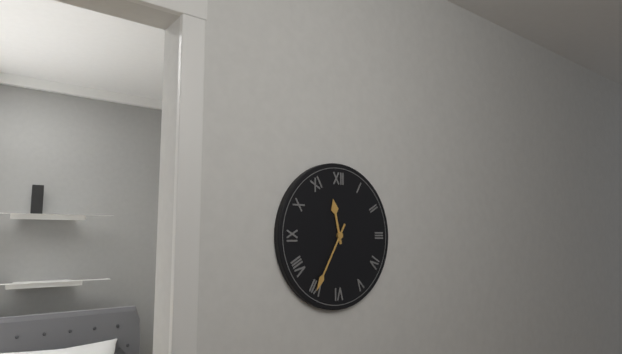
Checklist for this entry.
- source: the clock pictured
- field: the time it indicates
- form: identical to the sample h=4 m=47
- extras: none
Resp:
h=11 m=35
